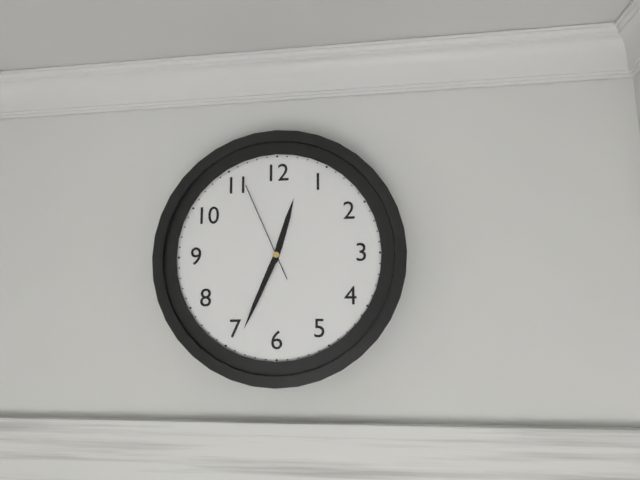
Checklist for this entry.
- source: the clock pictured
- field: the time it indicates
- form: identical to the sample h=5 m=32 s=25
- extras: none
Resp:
h=12 m=34 s=56
